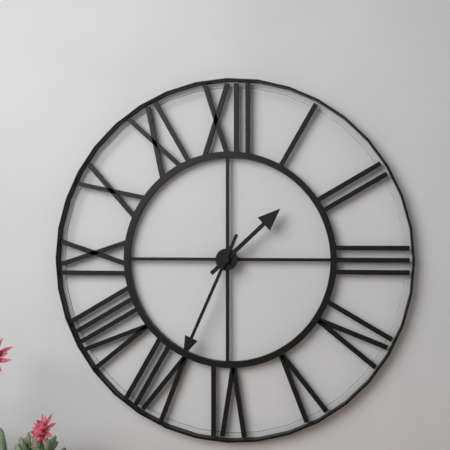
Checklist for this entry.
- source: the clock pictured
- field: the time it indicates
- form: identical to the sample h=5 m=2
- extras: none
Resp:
h=1 m=34
